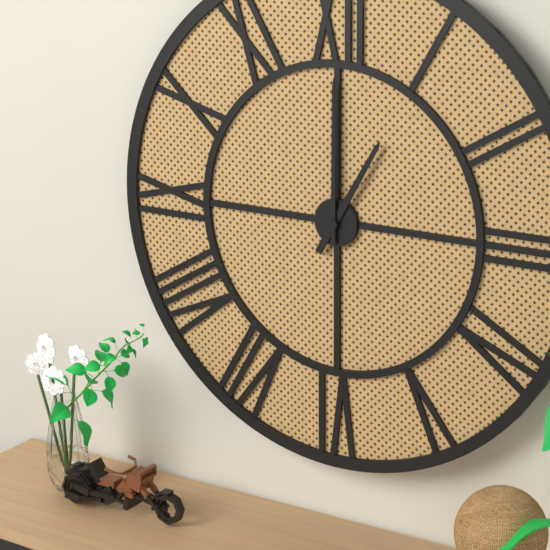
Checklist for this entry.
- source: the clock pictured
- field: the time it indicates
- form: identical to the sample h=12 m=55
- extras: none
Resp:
h=1 m=0
